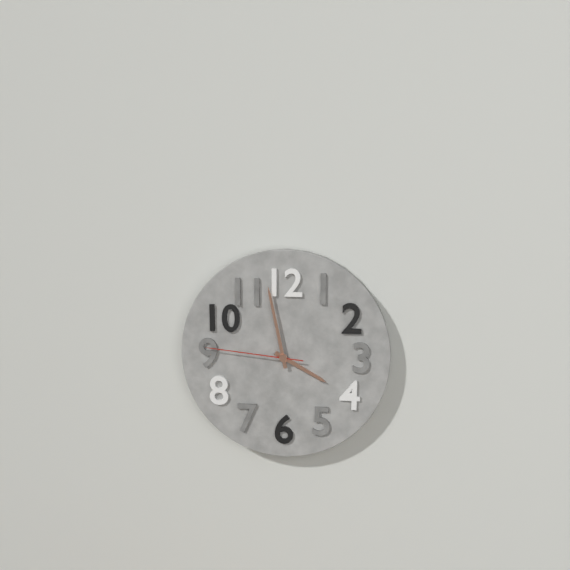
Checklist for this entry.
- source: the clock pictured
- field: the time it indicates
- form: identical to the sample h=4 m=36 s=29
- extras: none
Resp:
h=3 m=58 s=46
